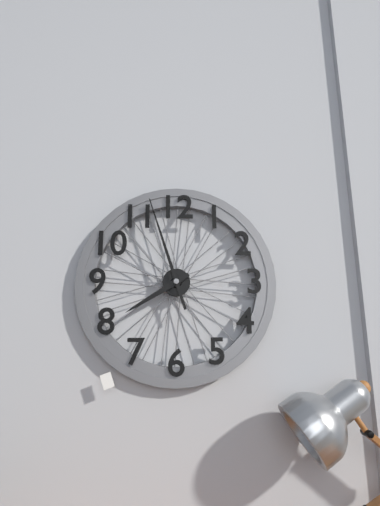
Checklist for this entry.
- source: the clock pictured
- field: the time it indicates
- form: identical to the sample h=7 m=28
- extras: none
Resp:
h=7 m=57
